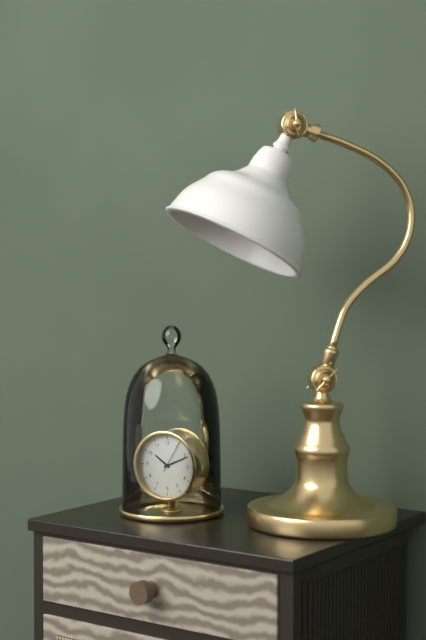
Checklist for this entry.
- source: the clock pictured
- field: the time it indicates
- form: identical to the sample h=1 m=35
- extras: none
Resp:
h=10 m=11
